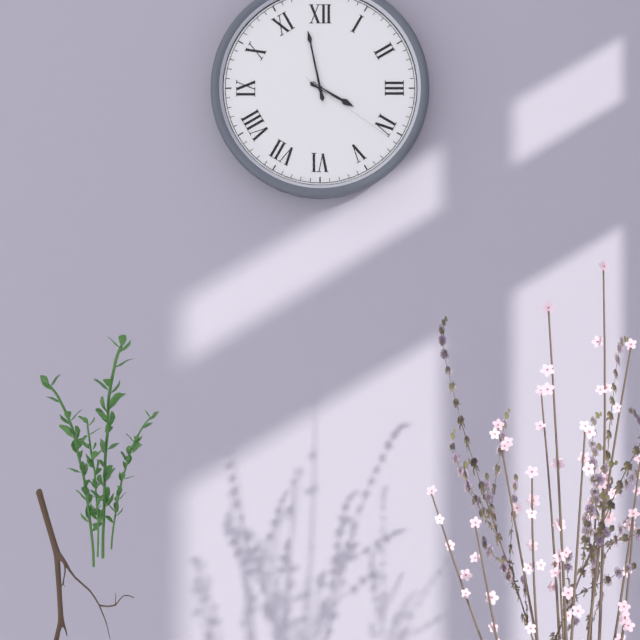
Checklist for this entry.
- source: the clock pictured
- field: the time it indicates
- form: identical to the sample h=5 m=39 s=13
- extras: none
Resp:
h=3 m=58 s=21
